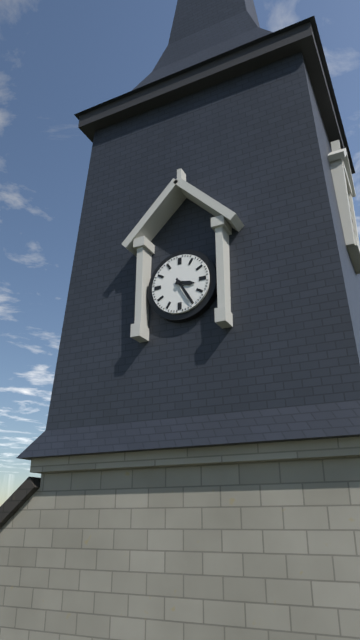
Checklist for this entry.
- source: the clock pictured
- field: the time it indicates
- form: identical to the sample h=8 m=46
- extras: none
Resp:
h=3 m=25
